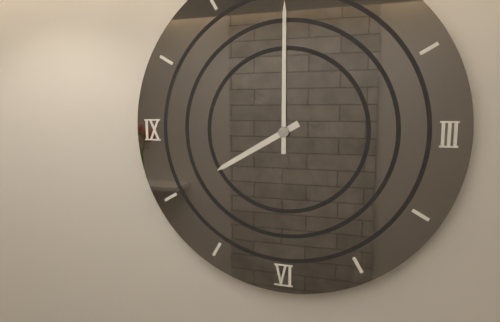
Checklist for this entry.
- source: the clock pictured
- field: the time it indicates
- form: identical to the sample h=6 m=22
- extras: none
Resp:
h=8 m=0
